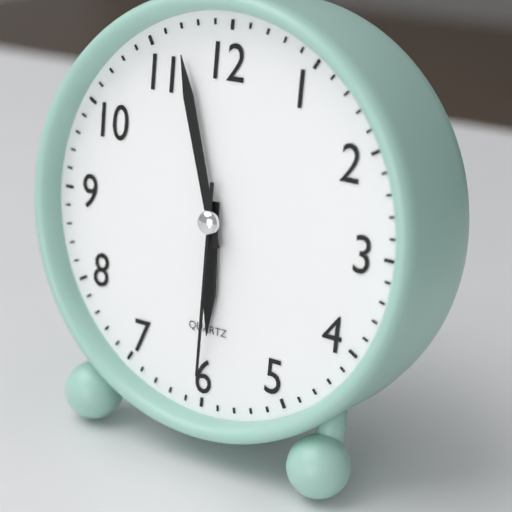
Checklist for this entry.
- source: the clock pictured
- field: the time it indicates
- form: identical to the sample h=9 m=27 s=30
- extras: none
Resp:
h=5 m=57 s=30
